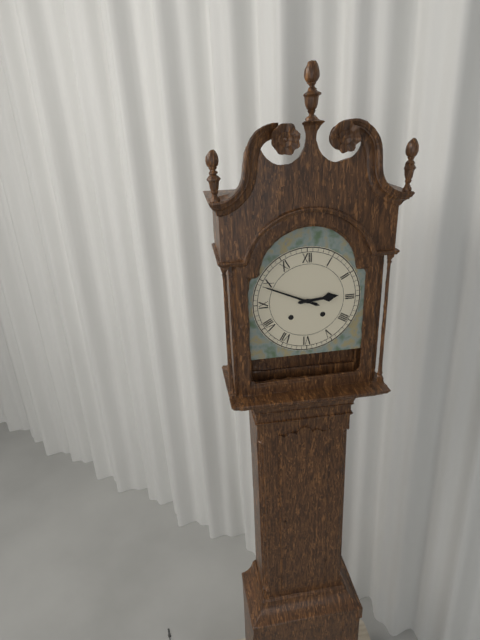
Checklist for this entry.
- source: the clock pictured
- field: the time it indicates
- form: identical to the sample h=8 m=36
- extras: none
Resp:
h=2 m=49
